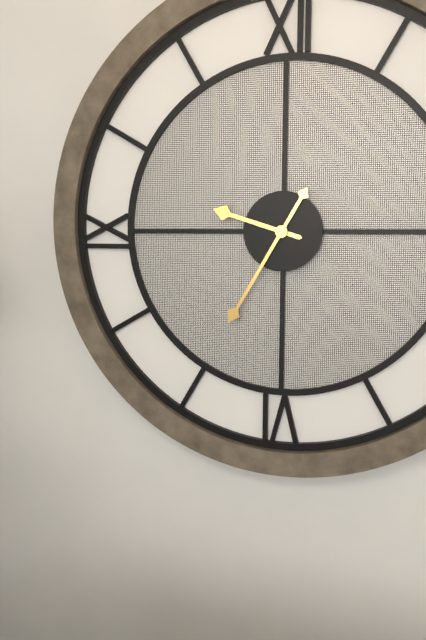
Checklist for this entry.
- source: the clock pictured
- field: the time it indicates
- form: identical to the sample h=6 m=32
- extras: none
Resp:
h=9 m=35
